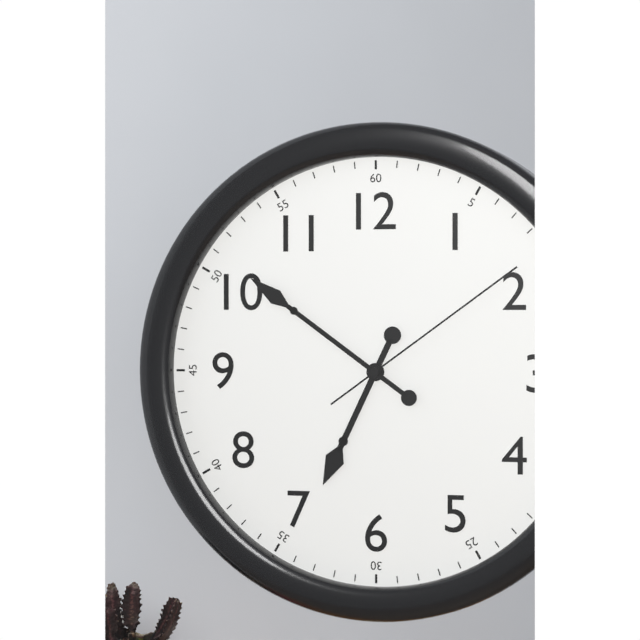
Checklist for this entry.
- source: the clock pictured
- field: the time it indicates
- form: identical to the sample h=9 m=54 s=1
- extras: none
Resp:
h=6 m=51 s=9
